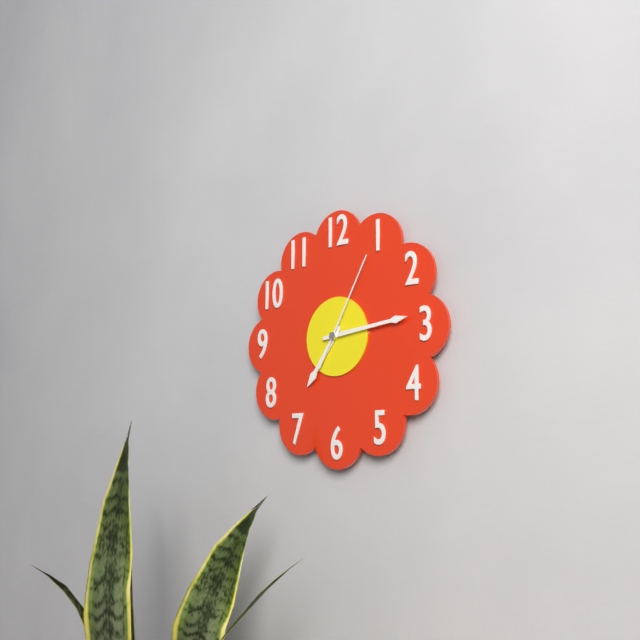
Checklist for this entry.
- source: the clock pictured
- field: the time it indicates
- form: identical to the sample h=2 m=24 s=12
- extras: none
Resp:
h=7 m=14 s=5
